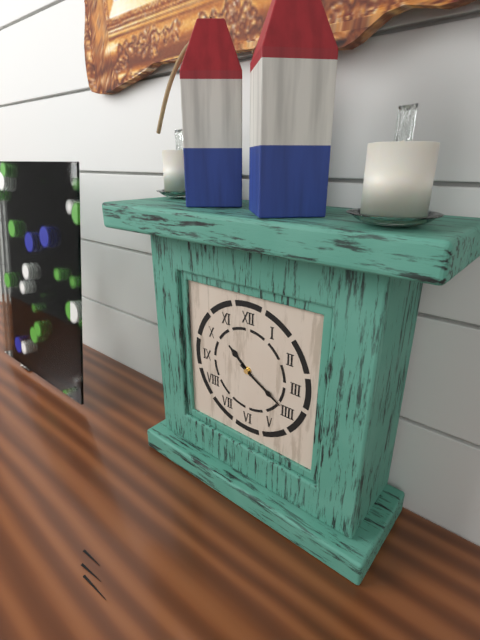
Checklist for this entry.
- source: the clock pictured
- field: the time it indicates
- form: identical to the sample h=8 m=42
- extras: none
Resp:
h=10 m=20
